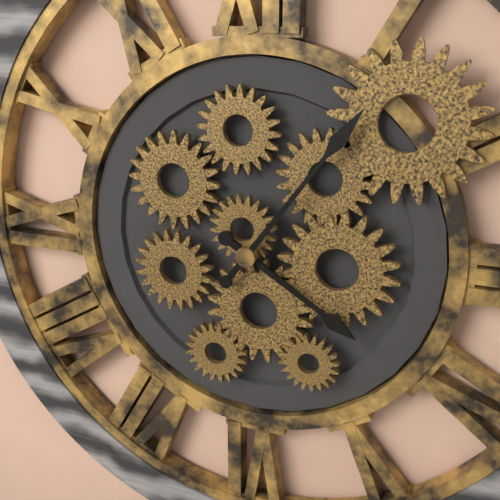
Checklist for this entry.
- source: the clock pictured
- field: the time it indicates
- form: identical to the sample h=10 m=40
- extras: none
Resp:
h=4 m=6
